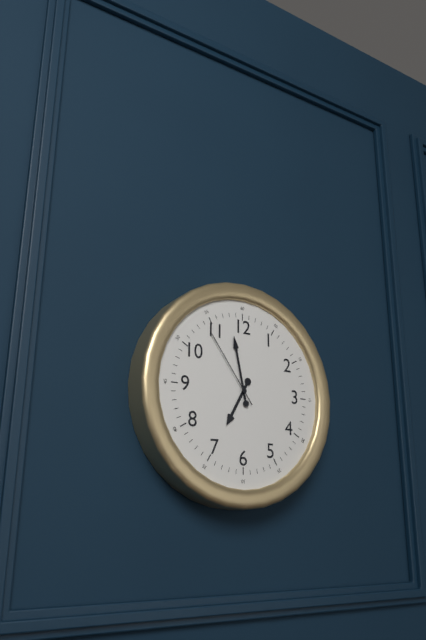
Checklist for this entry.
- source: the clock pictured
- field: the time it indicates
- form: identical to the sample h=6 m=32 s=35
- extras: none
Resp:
h=6 m=58 s=54
